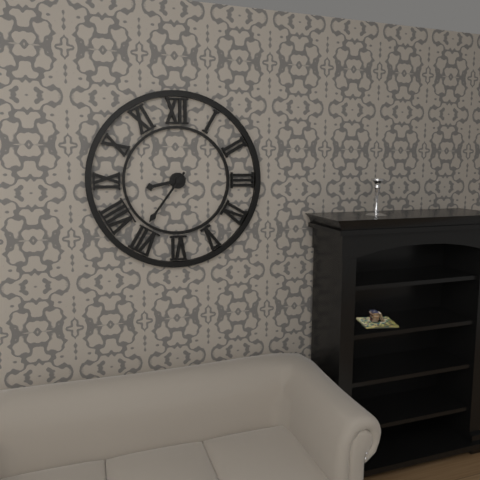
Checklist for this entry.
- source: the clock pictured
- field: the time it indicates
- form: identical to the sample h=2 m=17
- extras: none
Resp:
h=8 m=36
